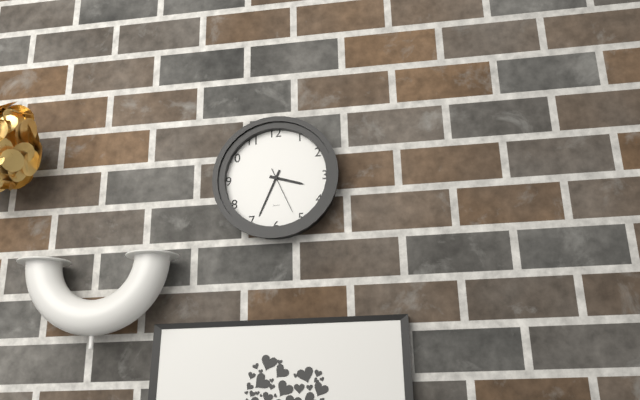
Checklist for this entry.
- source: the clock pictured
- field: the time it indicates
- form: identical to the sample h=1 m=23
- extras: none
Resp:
h=3 m=34
